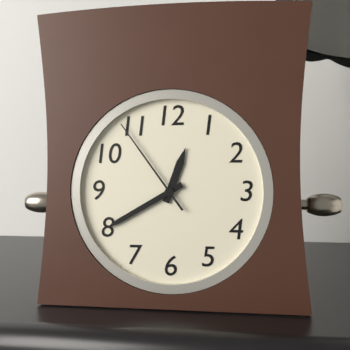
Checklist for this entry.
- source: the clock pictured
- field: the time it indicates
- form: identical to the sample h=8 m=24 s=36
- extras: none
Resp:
h=12 m=40 s=54
